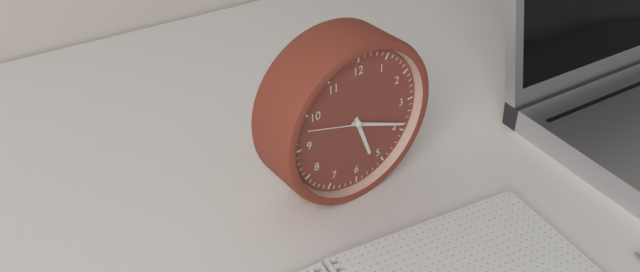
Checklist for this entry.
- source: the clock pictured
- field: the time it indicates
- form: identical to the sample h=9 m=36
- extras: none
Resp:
h=5 m=19
